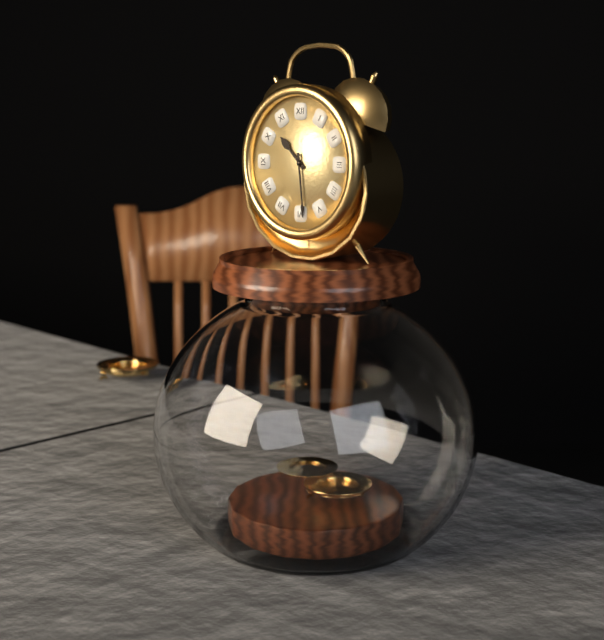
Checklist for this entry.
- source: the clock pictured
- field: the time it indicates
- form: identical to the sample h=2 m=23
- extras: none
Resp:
h=10 m=29
